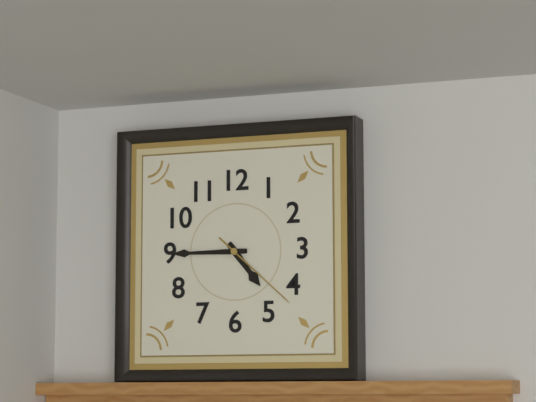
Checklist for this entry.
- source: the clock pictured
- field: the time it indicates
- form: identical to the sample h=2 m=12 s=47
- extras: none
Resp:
h=4 m=45 s=22
